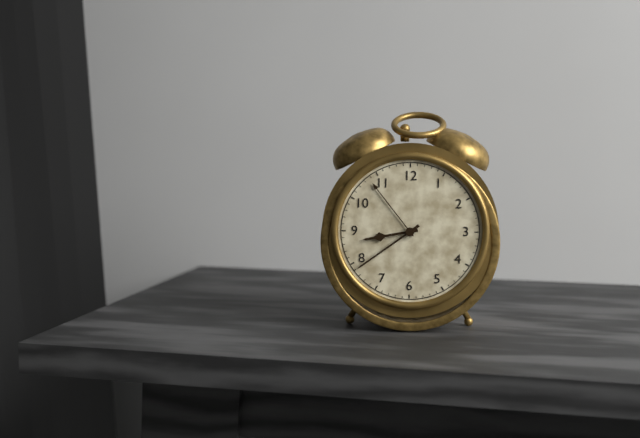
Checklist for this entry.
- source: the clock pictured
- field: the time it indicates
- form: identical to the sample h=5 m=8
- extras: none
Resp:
h=8 m=39
